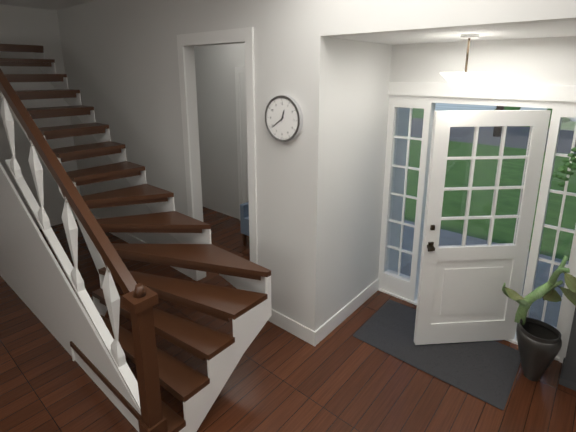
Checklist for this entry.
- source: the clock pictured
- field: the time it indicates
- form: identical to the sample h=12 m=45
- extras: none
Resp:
h=12 m=39
